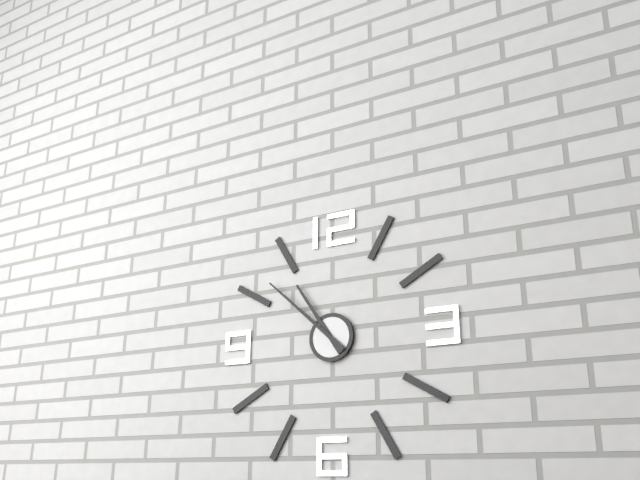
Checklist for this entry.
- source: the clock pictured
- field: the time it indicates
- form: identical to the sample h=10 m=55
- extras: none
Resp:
h=10 m=52
